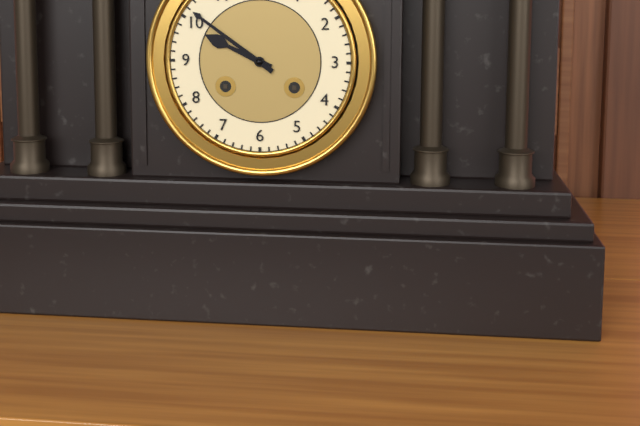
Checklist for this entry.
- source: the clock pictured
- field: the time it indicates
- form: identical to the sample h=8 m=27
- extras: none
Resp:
h=9 m=51
